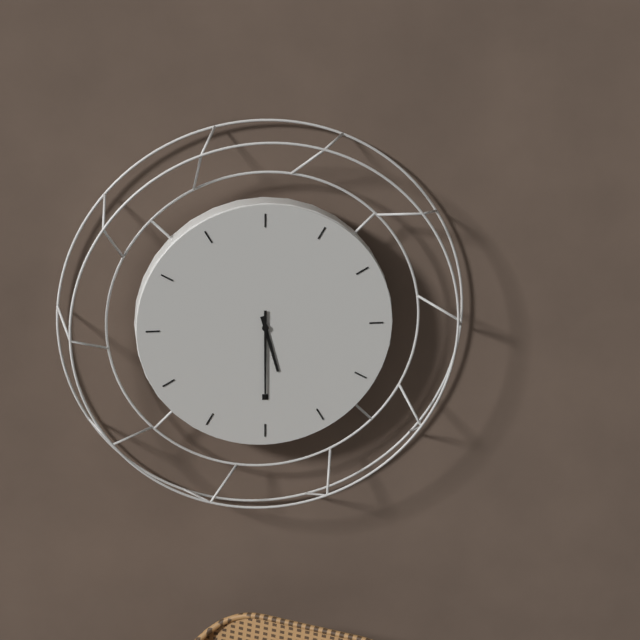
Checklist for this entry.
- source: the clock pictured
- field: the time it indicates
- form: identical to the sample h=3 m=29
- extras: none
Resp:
h=5 m=30
